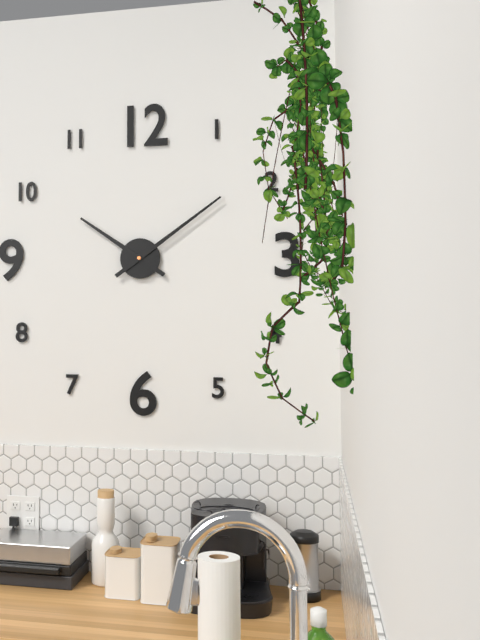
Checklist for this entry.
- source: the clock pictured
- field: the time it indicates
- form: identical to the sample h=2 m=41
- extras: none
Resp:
h=10 m=9
